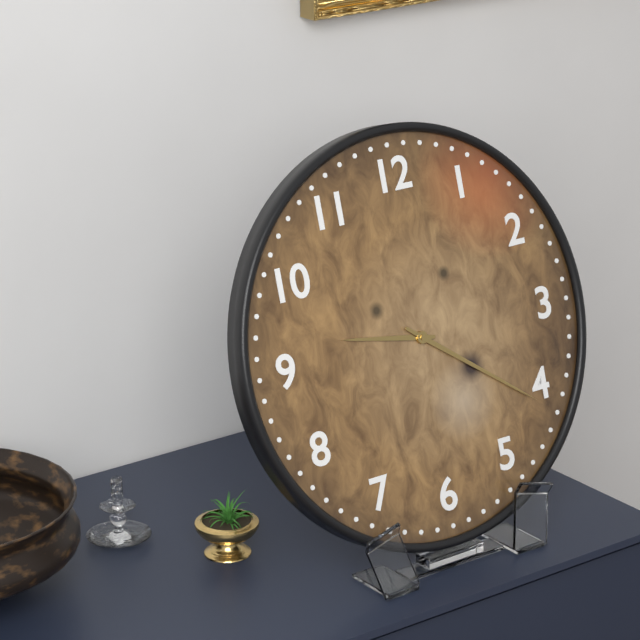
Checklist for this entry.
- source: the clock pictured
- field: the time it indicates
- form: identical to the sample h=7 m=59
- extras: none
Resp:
h=9 m=21
